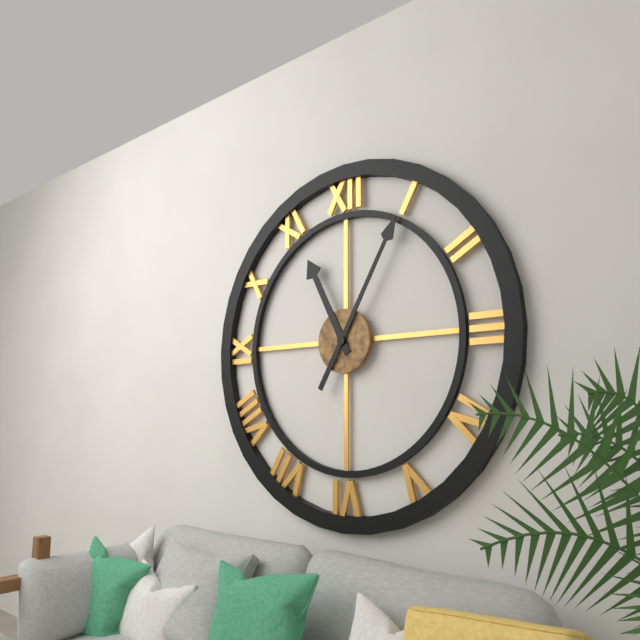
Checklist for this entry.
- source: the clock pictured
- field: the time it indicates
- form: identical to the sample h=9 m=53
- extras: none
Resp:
h=11 m=5
